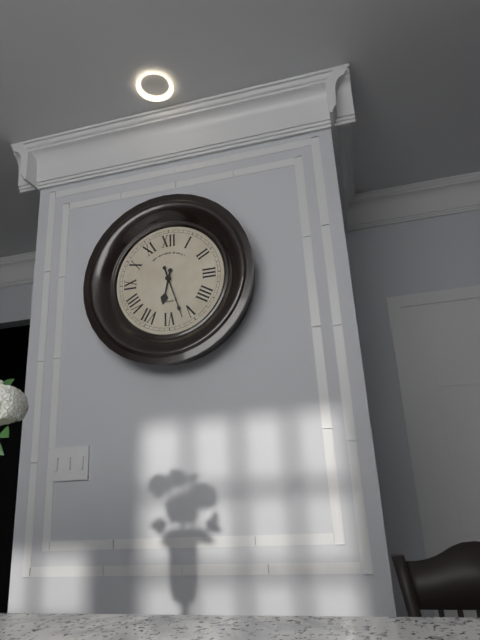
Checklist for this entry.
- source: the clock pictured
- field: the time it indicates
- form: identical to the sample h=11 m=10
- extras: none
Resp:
h=6 m=27
